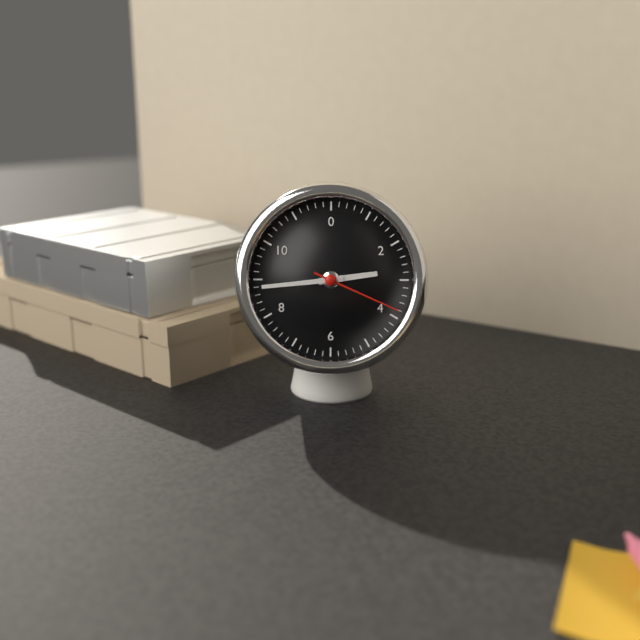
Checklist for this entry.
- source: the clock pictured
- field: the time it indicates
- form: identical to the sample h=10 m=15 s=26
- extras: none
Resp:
h=2 m=44 s=19
